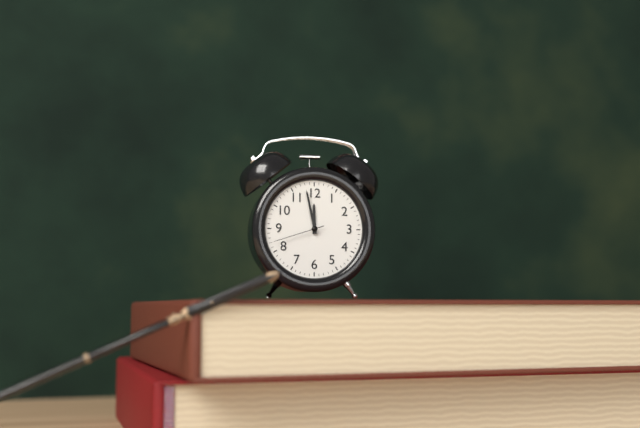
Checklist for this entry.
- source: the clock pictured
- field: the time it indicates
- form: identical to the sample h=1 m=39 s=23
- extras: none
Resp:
h=11 m=58 s=42
